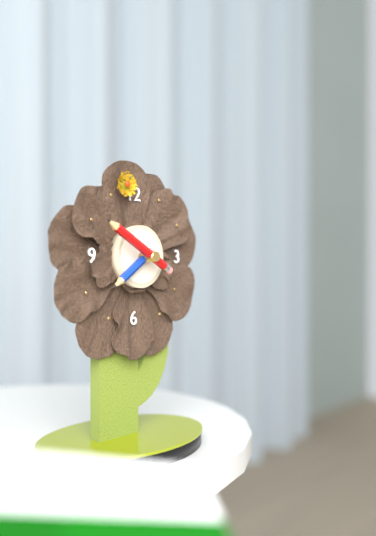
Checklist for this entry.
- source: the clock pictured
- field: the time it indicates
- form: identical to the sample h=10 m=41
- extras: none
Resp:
h=7 m=50
